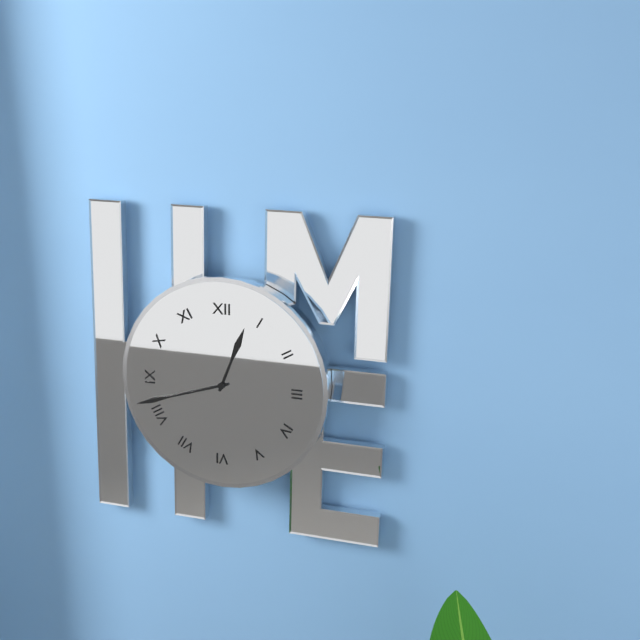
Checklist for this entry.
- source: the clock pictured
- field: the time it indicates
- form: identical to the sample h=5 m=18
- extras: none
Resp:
h=12 m=42
